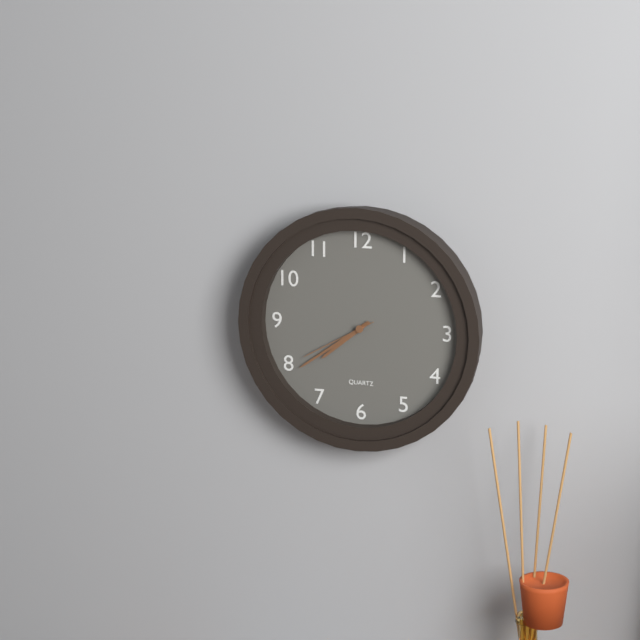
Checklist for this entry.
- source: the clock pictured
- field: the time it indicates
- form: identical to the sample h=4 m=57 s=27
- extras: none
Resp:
h=7 m=39 s=40
